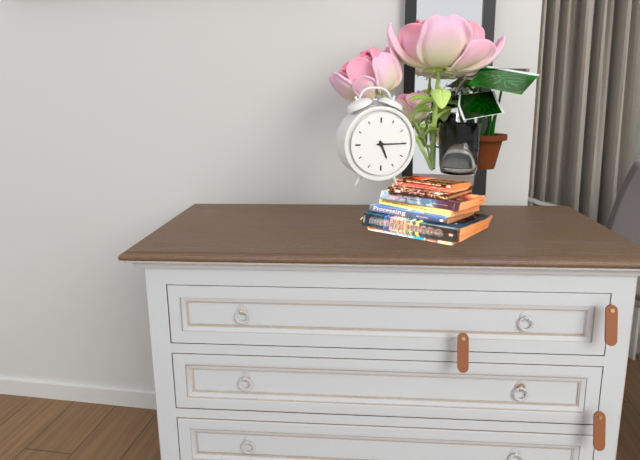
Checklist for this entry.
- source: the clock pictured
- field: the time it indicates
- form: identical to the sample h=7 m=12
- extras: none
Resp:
h=5 m=15
